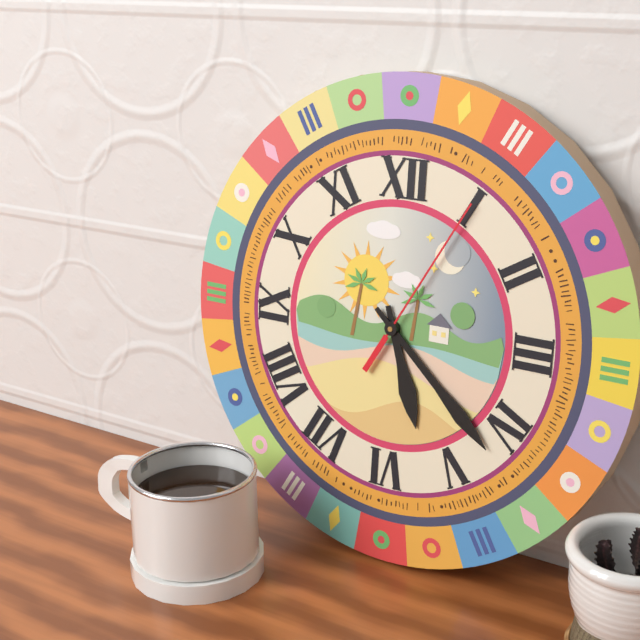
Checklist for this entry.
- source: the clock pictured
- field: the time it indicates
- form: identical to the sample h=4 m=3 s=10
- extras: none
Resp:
h=5 m=22 s=5
